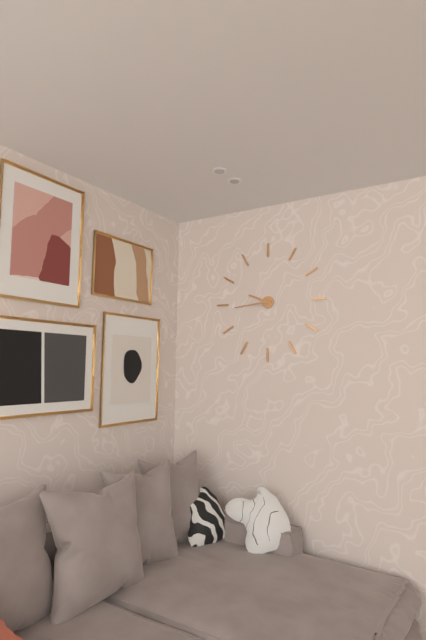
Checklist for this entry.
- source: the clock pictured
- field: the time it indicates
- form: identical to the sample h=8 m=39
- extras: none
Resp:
h=9 m=44
